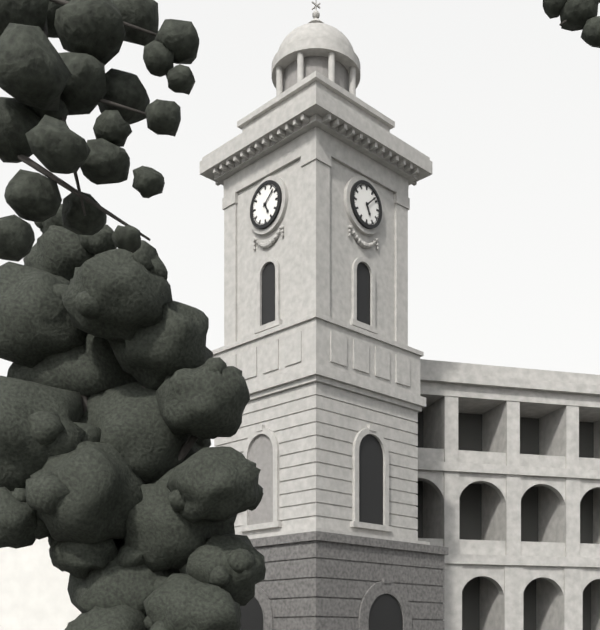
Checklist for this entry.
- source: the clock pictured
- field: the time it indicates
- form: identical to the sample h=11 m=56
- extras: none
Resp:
h=5 m=8
